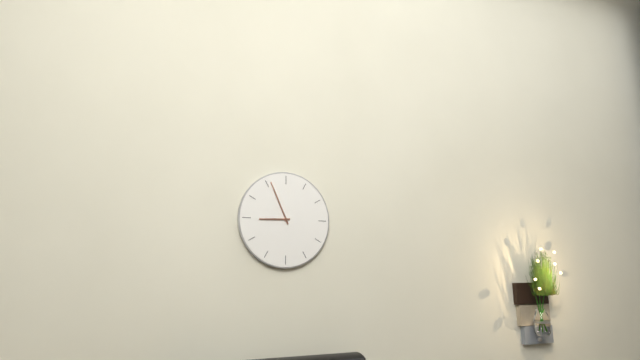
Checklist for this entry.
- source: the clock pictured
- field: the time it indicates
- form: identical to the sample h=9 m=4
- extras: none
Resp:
h=8 m=56
